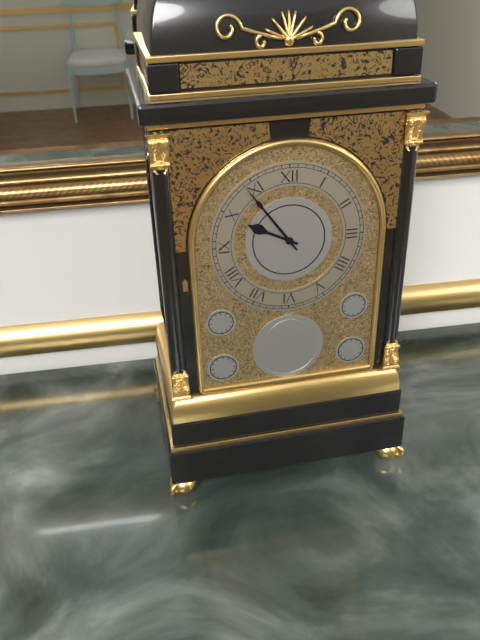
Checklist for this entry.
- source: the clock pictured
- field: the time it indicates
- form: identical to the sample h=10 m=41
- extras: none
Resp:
h=9 m=54
